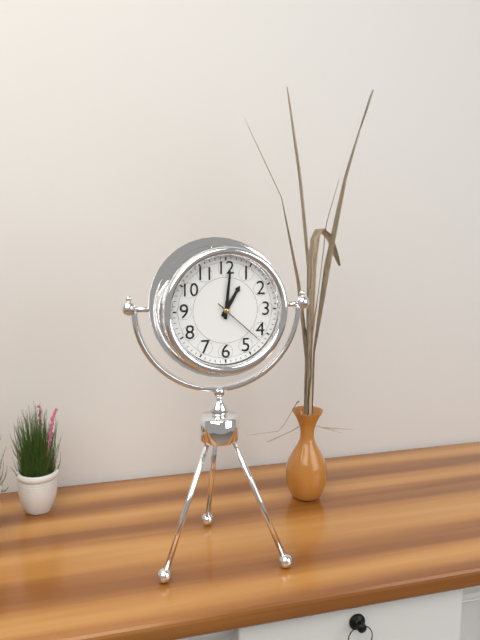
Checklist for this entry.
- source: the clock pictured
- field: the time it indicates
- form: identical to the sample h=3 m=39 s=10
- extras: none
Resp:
h=1 m=1 s=22
